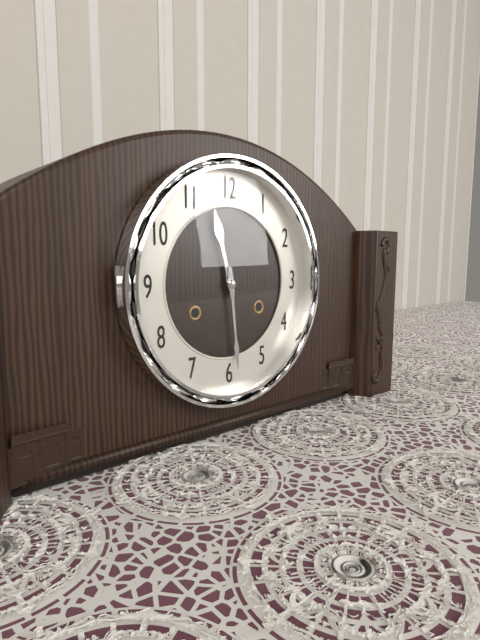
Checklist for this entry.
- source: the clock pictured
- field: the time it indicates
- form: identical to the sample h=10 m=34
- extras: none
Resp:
h=11 m=29
